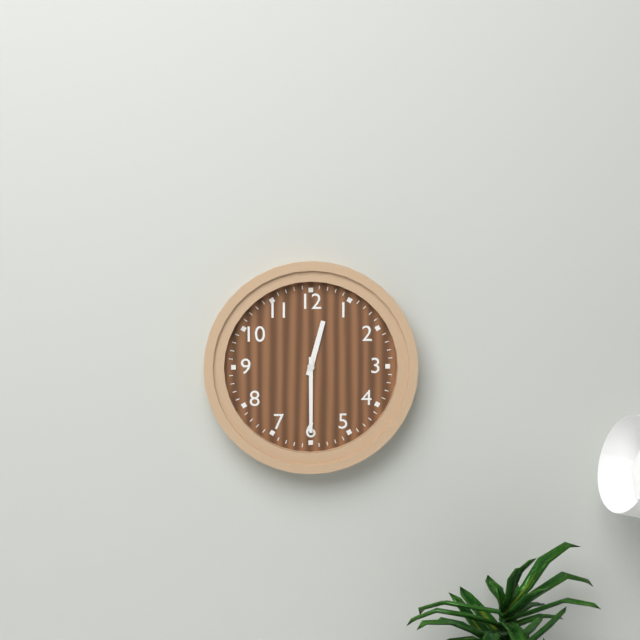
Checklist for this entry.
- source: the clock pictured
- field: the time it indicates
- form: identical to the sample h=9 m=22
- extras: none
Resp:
h=12 m=30
